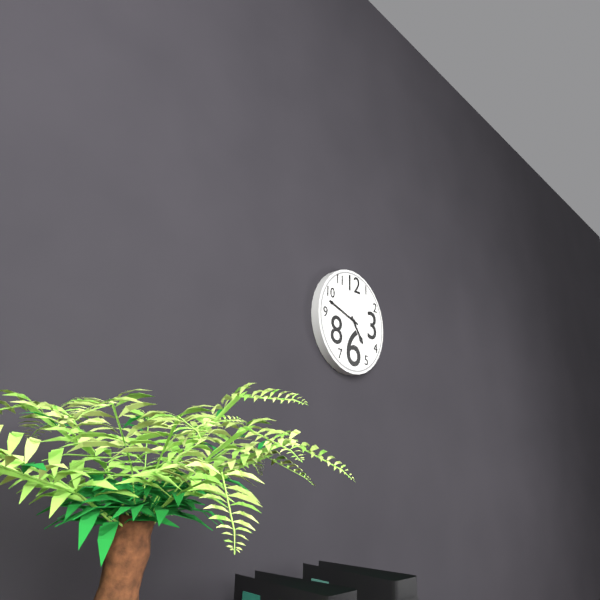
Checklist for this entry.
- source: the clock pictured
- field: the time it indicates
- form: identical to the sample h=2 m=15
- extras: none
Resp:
h=4 m=48
